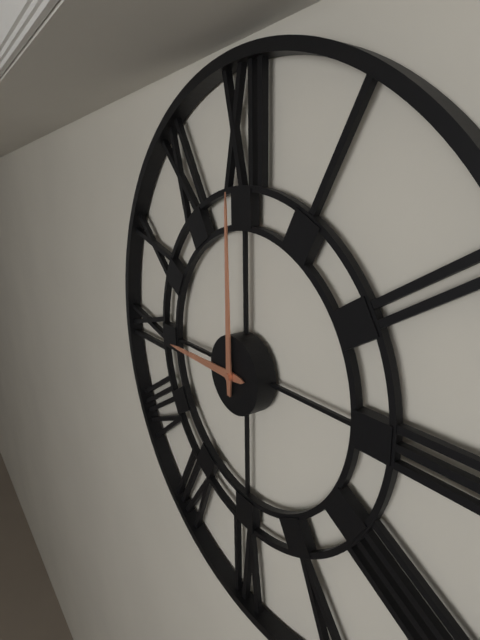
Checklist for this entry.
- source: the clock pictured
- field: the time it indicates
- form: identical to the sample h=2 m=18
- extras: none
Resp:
h=9 m=0
